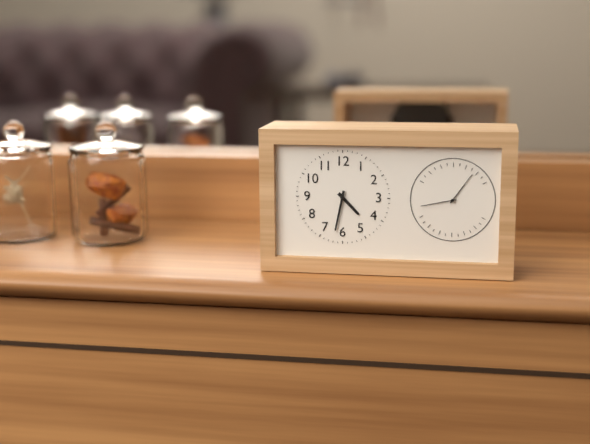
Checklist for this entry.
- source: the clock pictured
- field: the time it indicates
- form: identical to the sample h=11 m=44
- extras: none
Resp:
h=4 m=32
